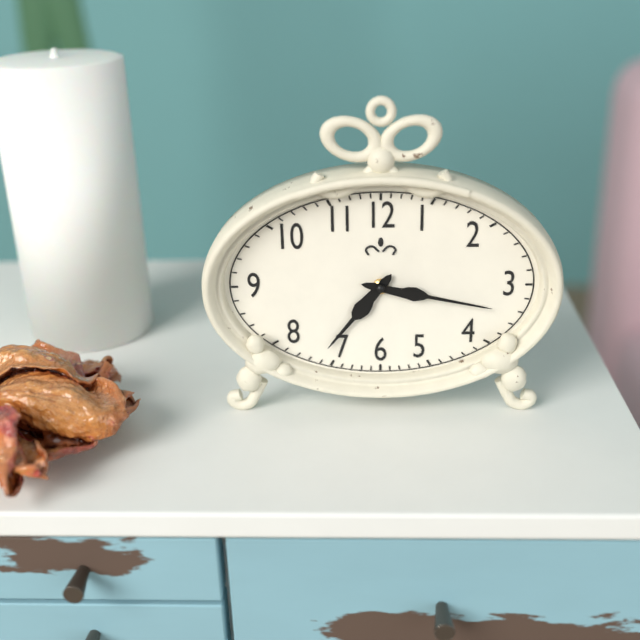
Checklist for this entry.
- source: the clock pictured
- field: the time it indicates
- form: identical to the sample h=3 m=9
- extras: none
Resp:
h=7 m=17
